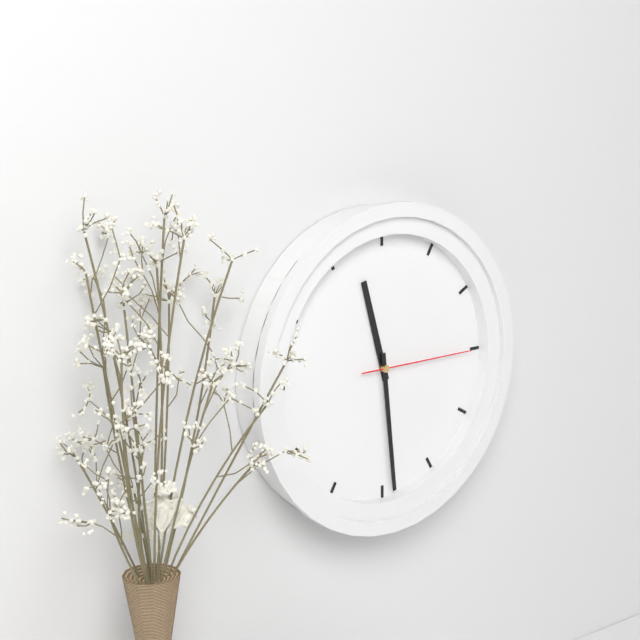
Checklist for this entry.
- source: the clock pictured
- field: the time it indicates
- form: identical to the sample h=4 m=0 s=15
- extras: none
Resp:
h=11 m=29 s=15
